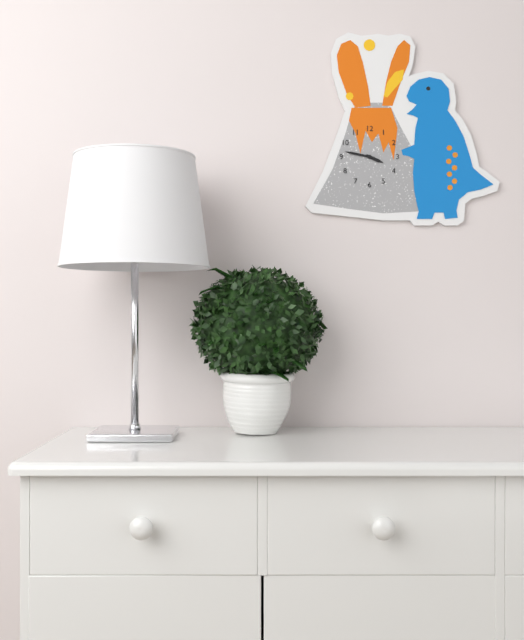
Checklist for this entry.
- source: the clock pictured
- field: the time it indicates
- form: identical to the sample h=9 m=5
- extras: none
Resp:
h=3 m=47
